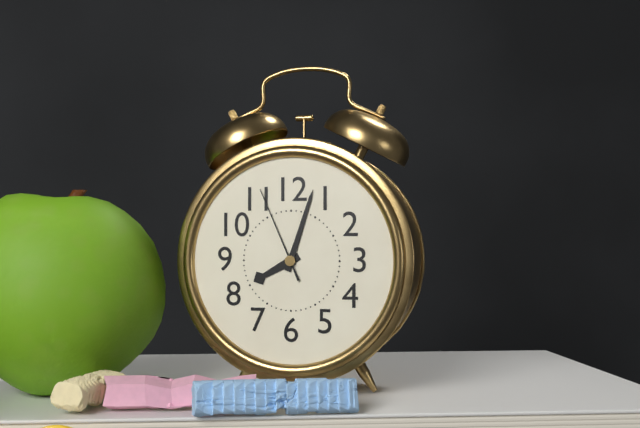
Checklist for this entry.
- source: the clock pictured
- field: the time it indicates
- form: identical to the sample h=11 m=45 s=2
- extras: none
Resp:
h=8 m=3 s=56
